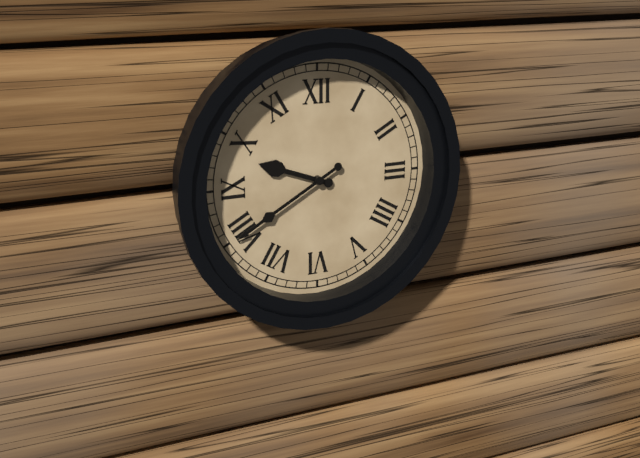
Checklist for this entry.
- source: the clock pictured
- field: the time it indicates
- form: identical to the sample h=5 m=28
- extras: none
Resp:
h=9 m=40
